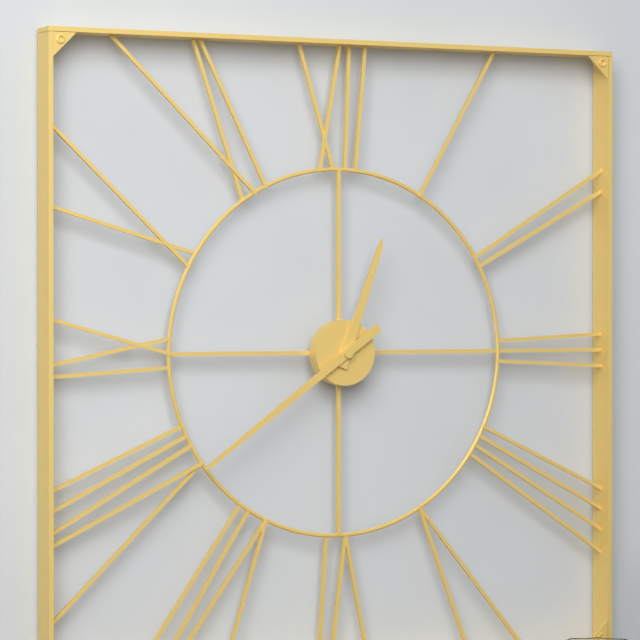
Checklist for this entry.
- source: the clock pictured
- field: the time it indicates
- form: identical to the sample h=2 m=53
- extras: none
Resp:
h=12 m=39
